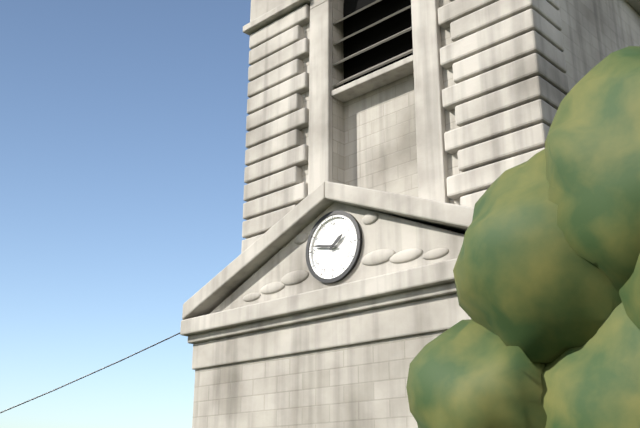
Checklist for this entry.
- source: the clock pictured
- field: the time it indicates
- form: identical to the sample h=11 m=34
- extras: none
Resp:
h=1 m=47
